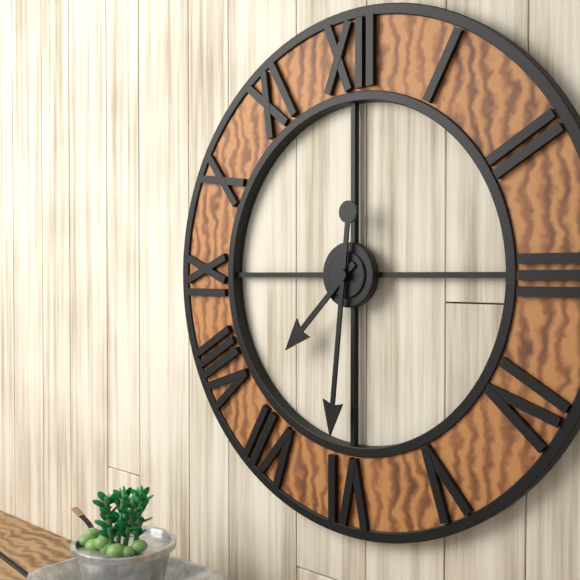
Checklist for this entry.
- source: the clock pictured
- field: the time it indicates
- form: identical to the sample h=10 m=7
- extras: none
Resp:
h=7 m=31
